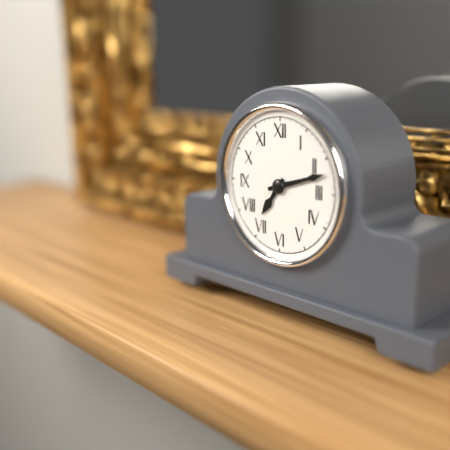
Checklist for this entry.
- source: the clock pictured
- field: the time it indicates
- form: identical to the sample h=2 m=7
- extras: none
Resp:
h=7 m=12
